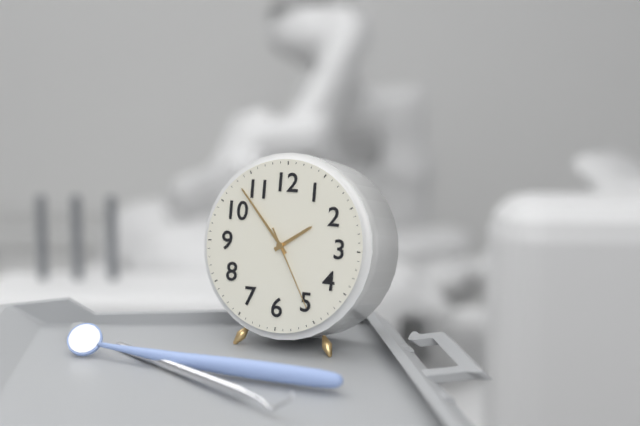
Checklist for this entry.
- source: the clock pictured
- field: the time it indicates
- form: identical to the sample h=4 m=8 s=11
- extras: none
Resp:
h=1 m=53 s=25
